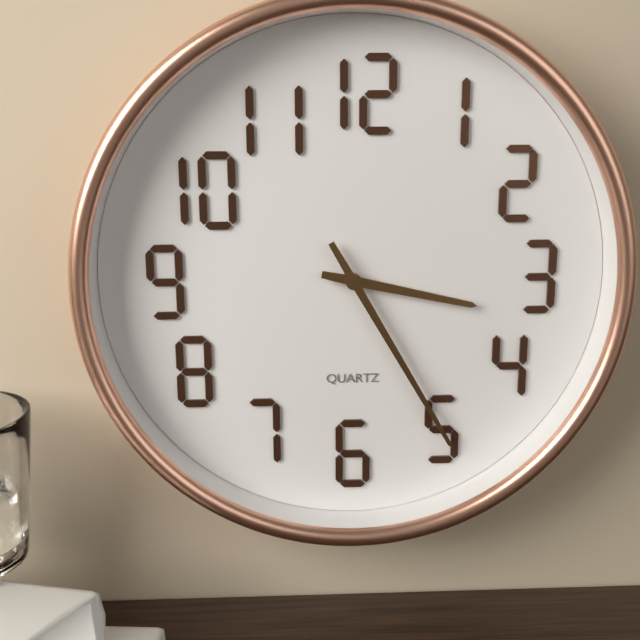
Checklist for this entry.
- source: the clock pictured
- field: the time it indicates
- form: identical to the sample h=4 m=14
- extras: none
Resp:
h=3 m=25
